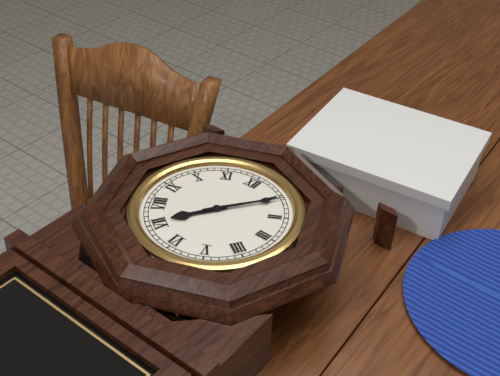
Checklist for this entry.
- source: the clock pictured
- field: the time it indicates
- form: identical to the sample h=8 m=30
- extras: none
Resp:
h=7 m=6
